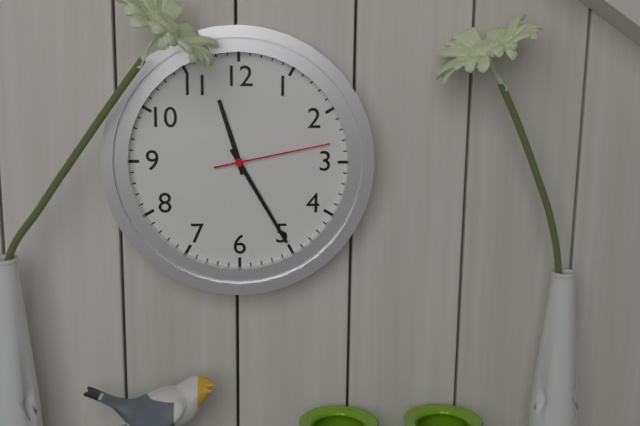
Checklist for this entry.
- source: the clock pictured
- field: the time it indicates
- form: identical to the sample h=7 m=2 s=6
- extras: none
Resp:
h=11 m=25 s=13
